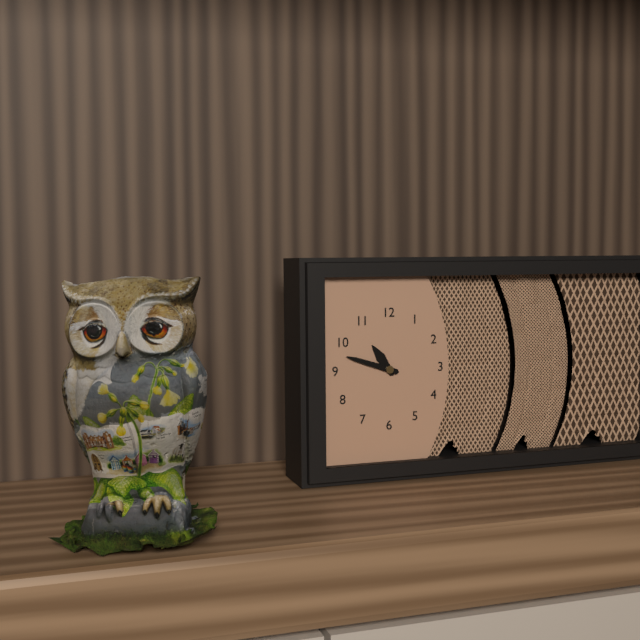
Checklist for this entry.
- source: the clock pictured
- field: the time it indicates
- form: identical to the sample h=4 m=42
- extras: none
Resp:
h=10 m=48
